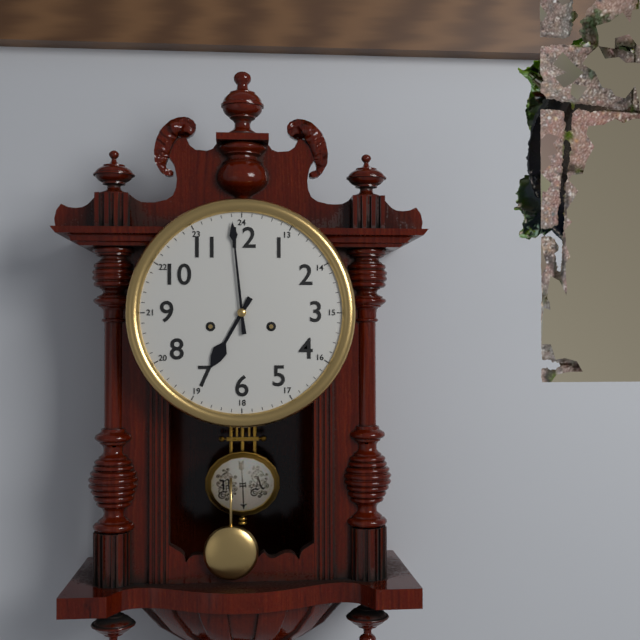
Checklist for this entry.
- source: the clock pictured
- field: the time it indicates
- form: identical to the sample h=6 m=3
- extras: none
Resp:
h=6 m=59
